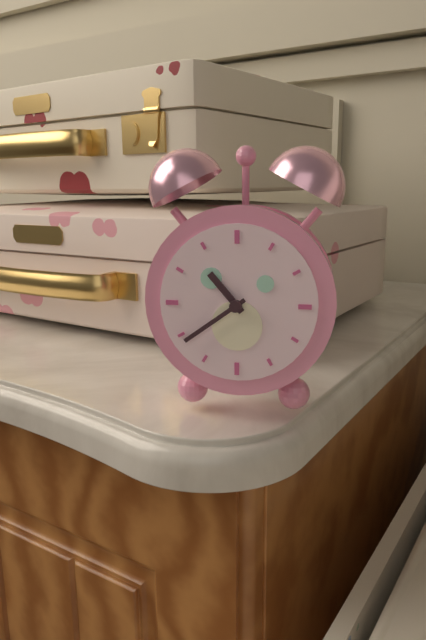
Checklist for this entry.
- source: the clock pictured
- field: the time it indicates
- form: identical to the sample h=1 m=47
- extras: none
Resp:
h=10 m=39
